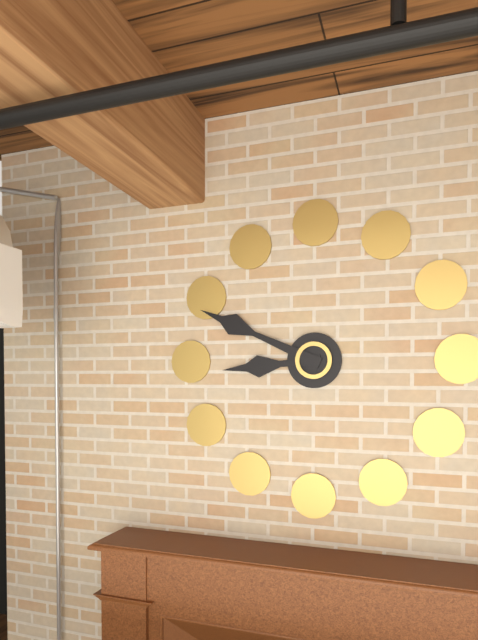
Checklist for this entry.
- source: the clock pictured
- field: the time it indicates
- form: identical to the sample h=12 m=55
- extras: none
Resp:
h=8 m=49
